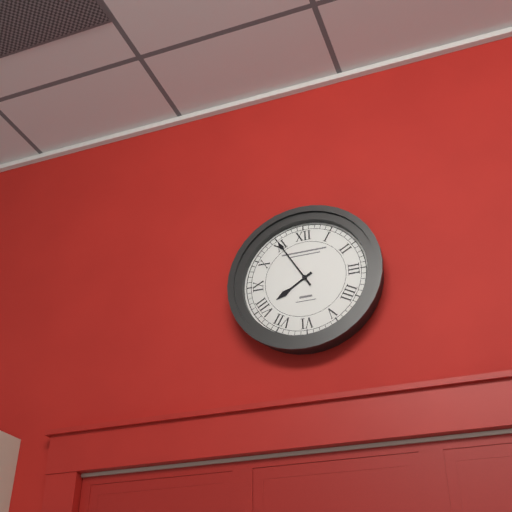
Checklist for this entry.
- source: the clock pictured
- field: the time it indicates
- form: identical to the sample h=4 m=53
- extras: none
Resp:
h=7 m=55
